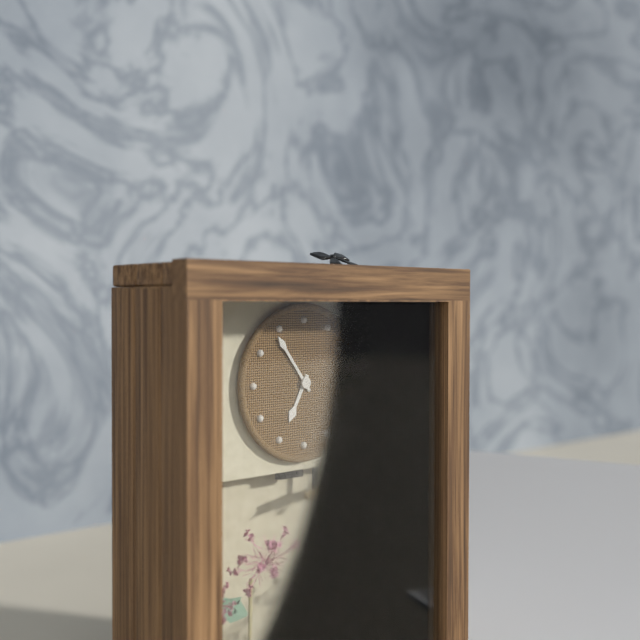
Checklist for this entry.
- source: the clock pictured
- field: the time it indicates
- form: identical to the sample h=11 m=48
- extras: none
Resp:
h=6 m=54
